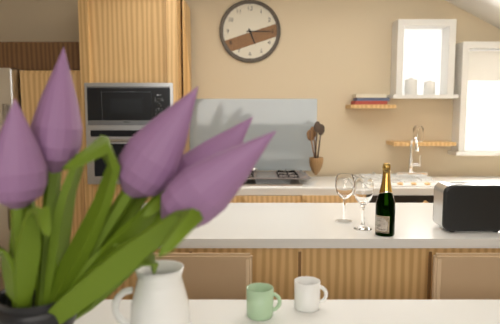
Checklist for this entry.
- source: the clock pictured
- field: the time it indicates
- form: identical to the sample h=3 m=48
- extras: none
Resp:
h=5 m=15
